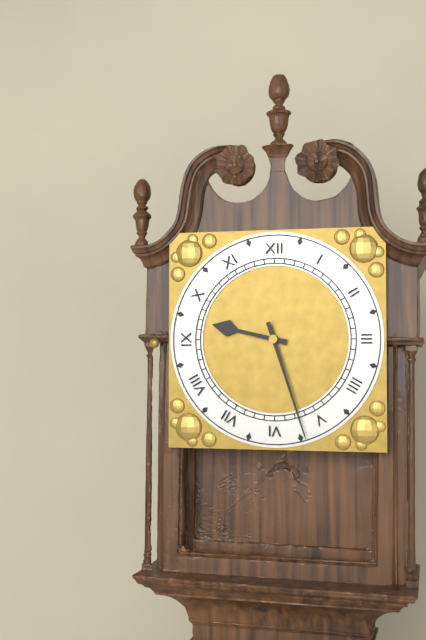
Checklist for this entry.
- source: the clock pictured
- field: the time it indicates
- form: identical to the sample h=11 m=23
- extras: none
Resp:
h=9 m=27
